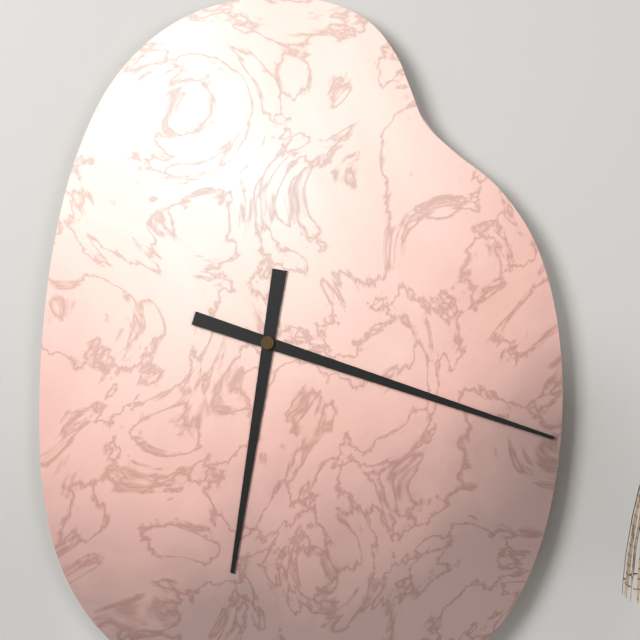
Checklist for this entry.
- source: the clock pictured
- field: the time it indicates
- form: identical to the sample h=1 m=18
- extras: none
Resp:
h=6 m=18
